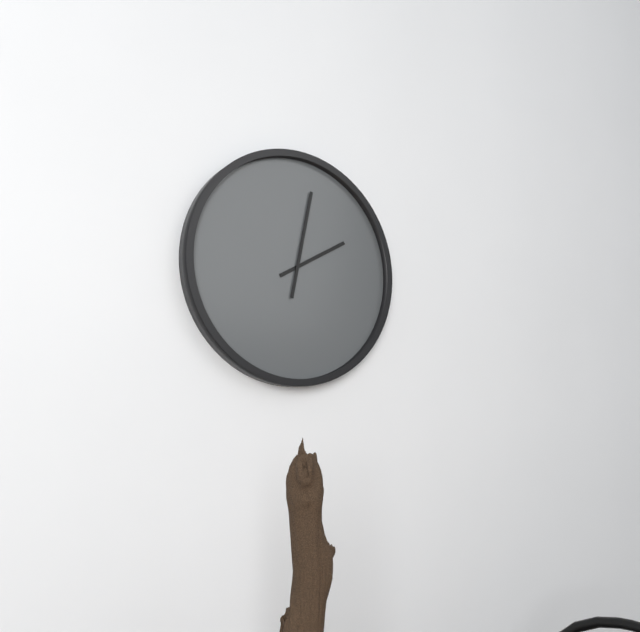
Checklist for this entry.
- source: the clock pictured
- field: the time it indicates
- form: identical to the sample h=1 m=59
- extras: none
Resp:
h=2 m=2
